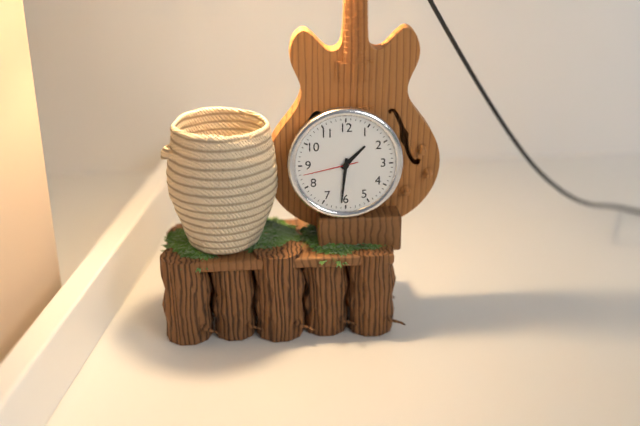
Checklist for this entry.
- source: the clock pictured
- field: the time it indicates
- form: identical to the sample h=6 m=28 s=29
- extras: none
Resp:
h=1 m=31 s=43
